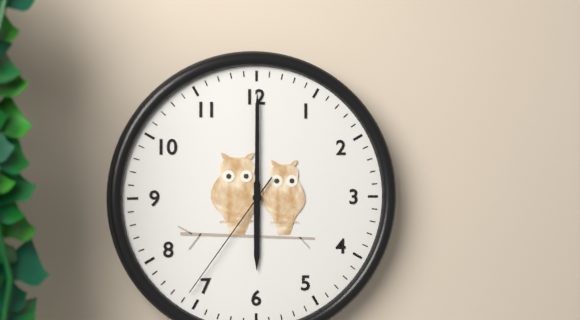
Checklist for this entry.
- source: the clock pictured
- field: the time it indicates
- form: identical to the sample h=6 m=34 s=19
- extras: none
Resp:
h=6 m=0 s=36
